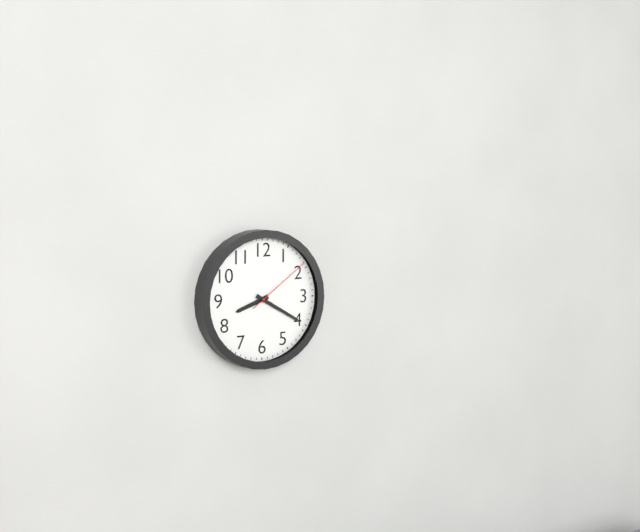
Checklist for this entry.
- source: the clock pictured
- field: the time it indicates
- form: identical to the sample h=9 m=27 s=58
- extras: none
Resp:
h=8 m=20 s=9
